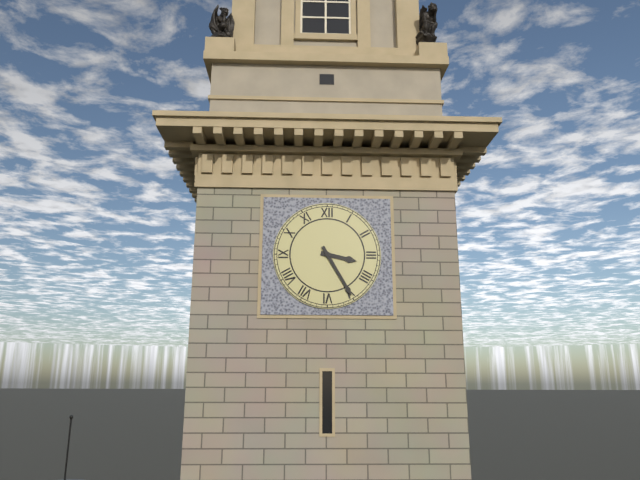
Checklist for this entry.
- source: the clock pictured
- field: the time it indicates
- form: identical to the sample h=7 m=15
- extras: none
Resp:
h=3 m=25
